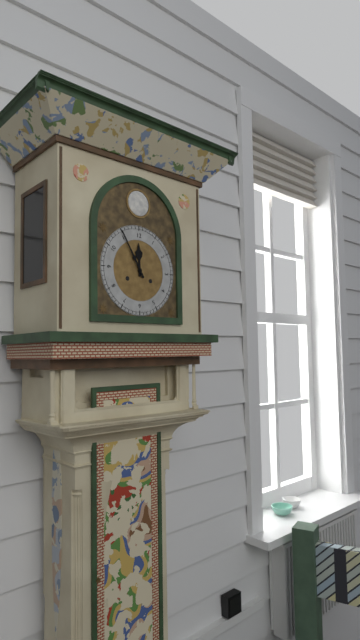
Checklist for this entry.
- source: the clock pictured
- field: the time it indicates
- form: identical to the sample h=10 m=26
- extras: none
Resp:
h=11 m=55
